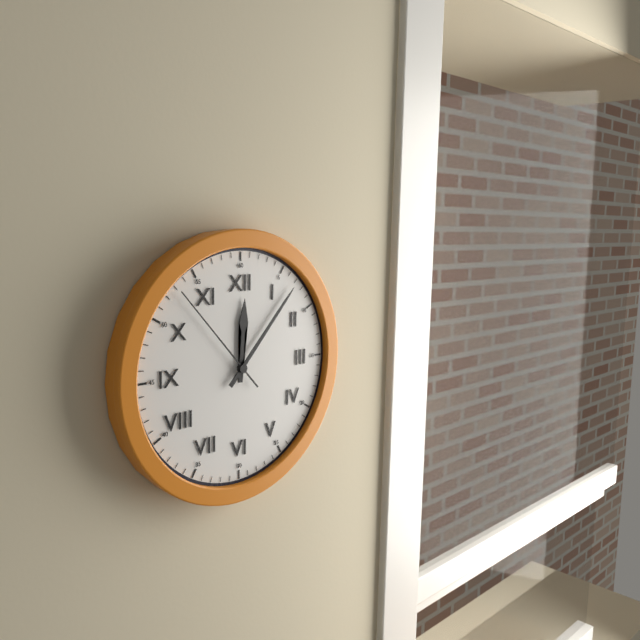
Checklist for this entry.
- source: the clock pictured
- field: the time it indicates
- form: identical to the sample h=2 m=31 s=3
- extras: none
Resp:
h=12 m=7 s=53
